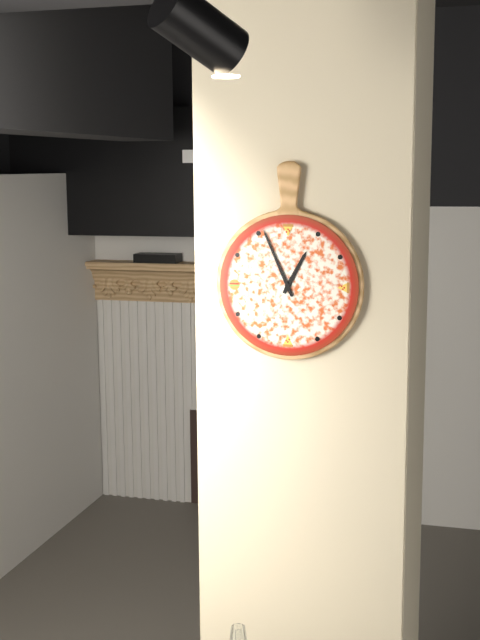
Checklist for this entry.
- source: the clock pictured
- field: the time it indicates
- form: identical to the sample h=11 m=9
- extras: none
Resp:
h=12 m=56
